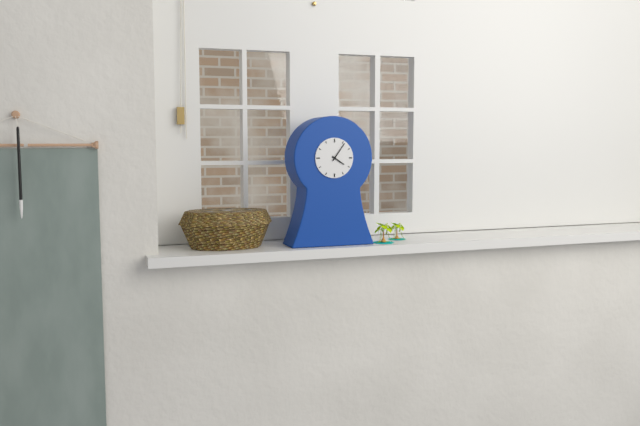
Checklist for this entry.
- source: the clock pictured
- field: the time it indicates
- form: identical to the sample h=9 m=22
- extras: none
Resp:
h=4 m=6
